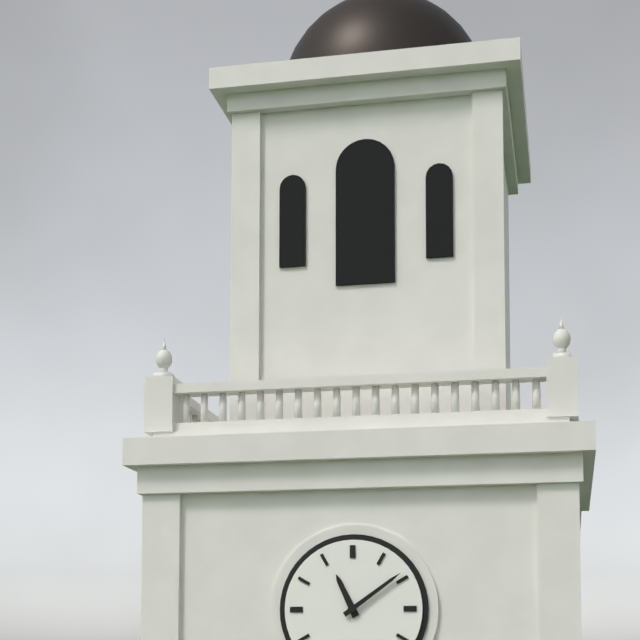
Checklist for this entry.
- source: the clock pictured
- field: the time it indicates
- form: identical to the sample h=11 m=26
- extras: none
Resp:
h=11 m=9
